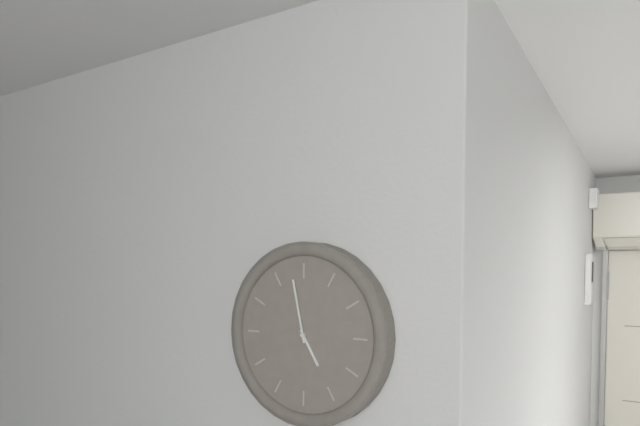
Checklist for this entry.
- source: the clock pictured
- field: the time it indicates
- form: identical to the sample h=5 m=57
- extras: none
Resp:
h=4 m=58
